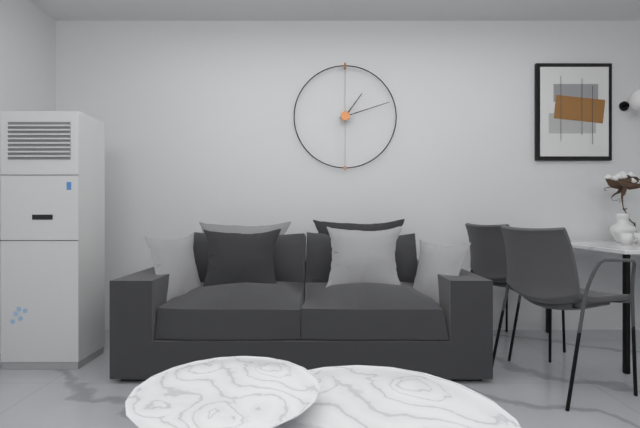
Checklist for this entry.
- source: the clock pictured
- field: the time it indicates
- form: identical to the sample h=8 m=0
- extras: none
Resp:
h=1 m=12
